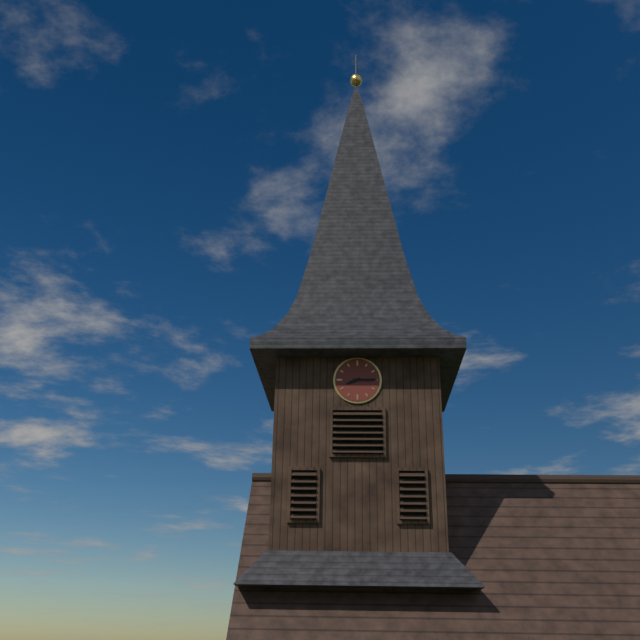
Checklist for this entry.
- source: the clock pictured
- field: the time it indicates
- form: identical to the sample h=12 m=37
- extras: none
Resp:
h=8 m=15
